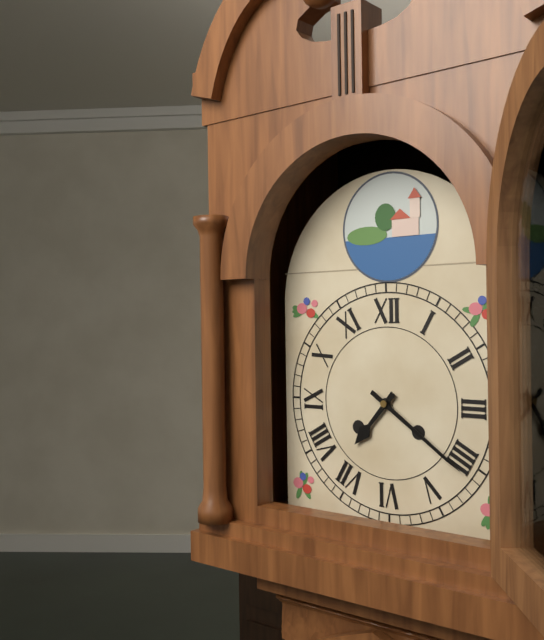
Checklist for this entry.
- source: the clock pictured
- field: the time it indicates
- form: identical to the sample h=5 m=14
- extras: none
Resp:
h=7 m=21
